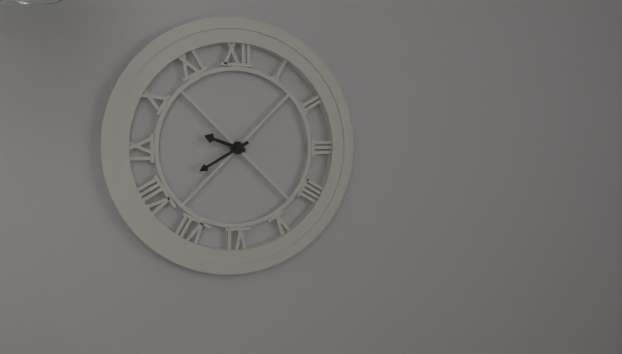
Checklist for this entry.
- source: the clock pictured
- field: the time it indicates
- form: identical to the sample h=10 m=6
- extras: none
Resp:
h=9 m=40
